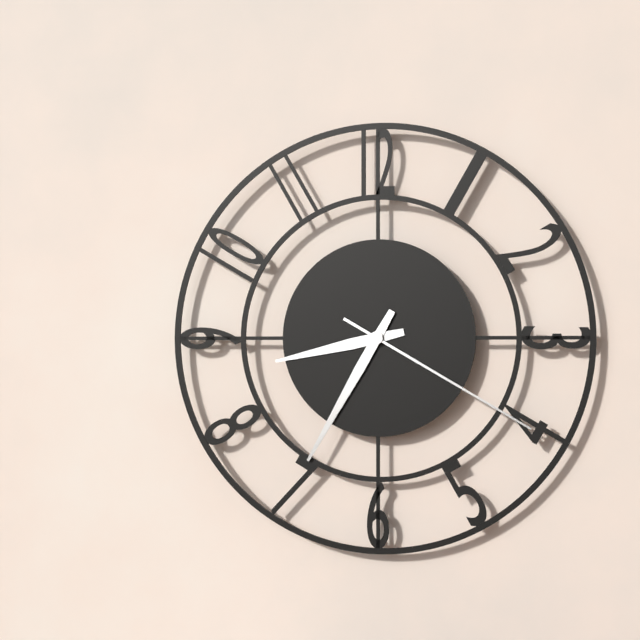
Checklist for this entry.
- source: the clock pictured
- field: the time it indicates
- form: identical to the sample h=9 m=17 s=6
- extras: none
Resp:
h=8 m=35 s=20
